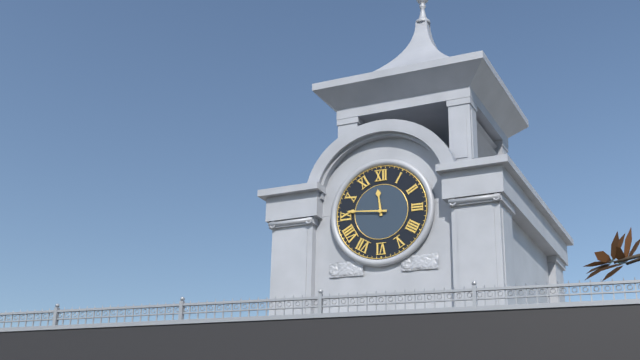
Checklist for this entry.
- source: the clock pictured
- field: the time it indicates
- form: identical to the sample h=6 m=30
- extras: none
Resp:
h=11 m=46
